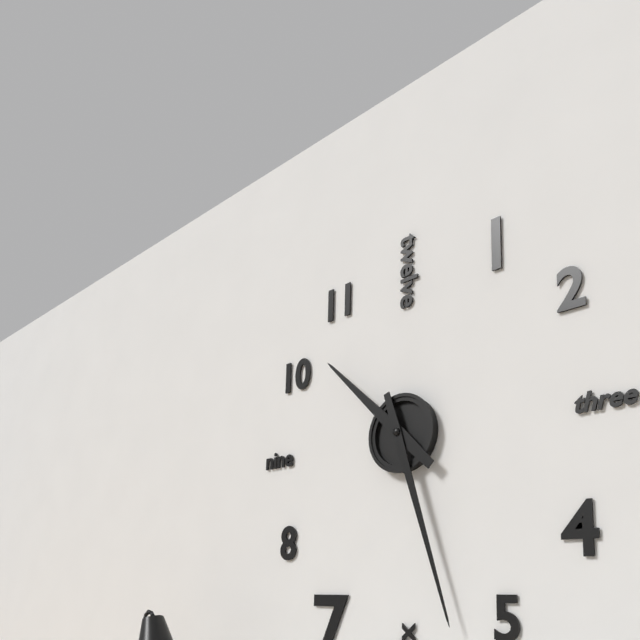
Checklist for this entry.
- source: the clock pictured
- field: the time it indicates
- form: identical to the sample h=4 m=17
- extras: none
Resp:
h=10 m=27
